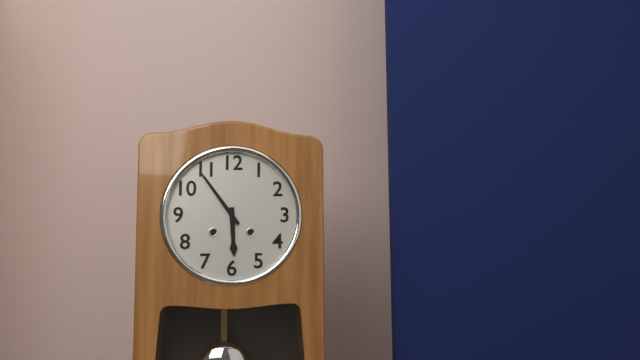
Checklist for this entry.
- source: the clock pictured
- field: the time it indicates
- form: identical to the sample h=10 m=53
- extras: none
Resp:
h=5 m=54
